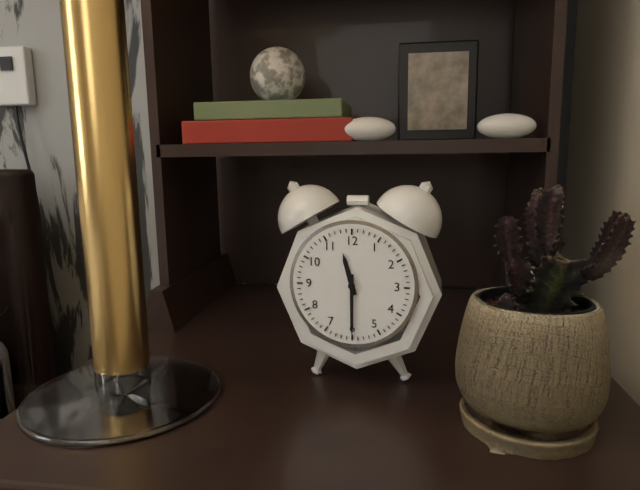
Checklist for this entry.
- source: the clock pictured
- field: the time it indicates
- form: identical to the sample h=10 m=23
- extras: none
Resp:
h=11 m=30
